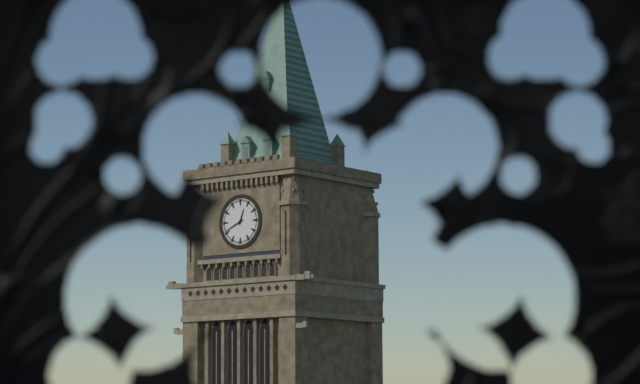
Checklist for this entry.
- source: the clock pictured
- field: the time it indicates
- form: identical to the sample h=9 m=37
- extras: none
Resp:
h=12 m=41
